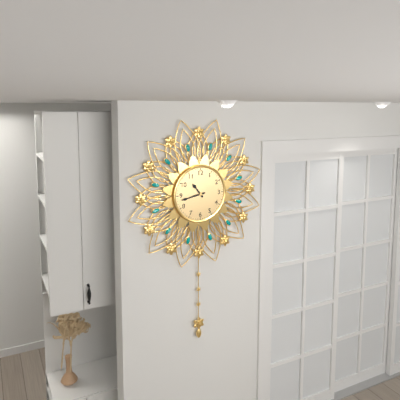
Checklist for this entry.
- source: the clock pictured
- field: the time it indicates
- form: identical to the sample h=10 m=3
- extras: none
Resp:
h=10 m=43
